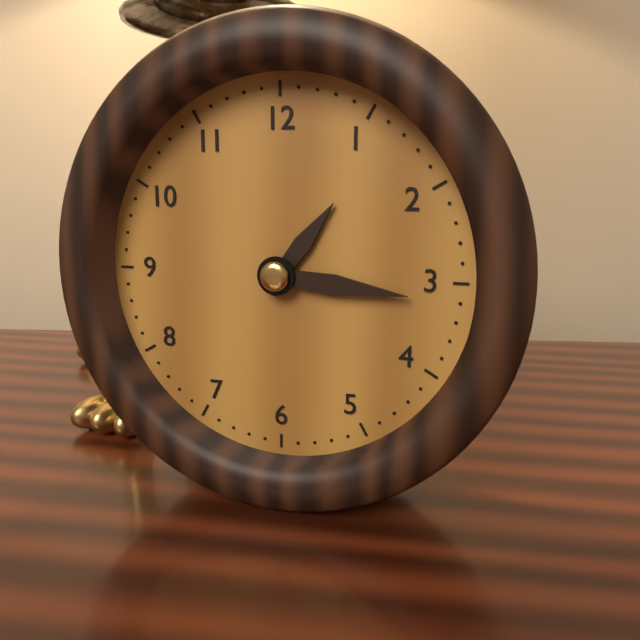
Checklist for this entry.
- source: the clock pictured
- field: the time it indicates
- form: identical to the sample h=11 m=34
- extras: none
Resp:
h=1 m=16
